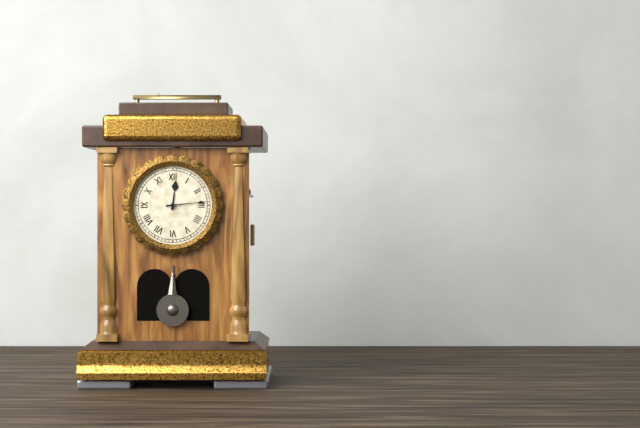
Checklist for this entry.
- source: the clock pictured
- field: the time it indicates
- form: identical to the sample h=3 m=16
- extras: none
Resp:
h=12 m=14
